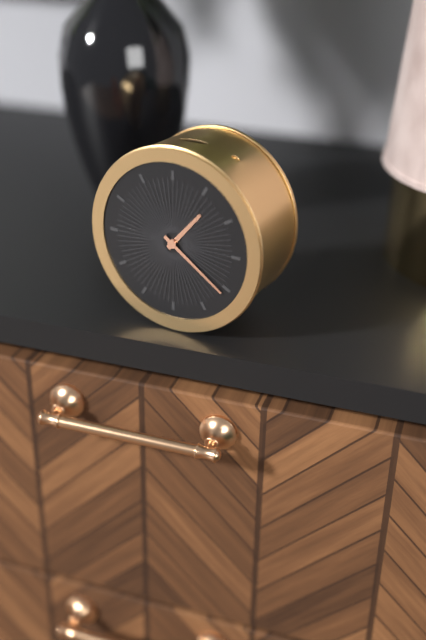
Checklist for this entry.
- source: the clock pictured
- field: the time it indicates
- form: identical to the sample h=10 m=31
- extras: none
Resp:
h=1 m=21
